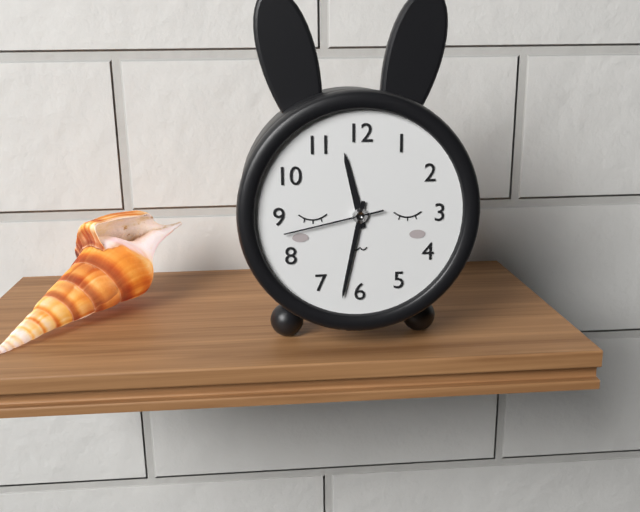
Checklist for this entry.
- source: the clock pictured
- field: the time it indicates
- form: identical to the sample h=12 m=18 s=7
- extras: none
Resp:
h=11 m=32 s=43
